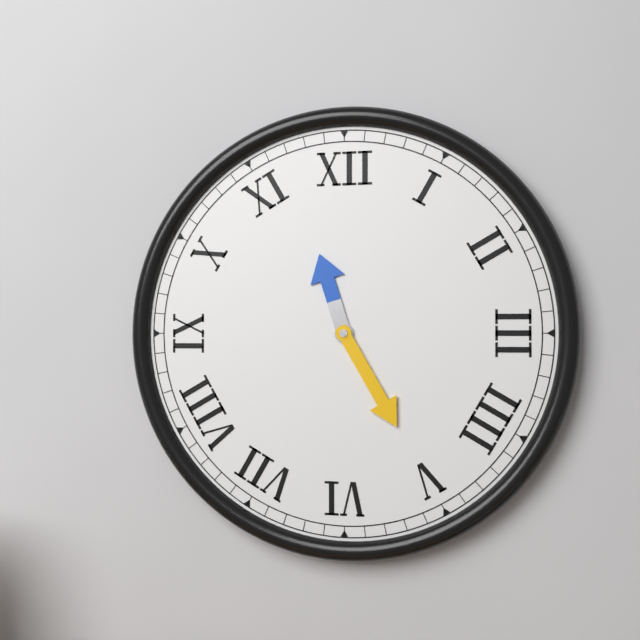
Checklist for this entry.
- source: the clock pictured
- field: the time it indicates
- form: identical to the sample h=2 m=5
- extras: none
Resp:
h=11 m=25
